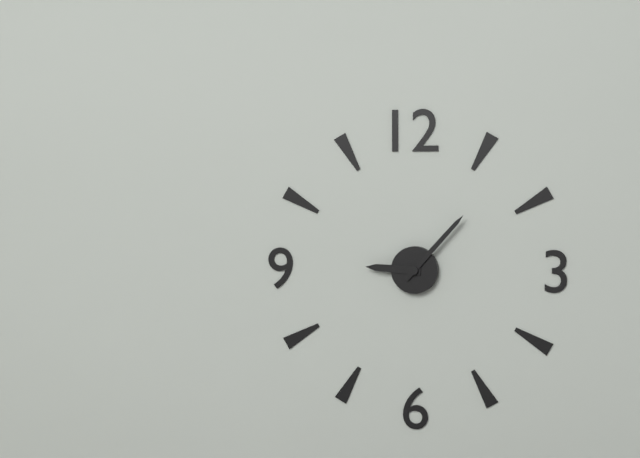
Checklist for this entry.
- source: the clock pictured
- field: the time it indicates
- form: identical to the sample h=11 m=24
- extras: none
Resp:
h=9 m=7
